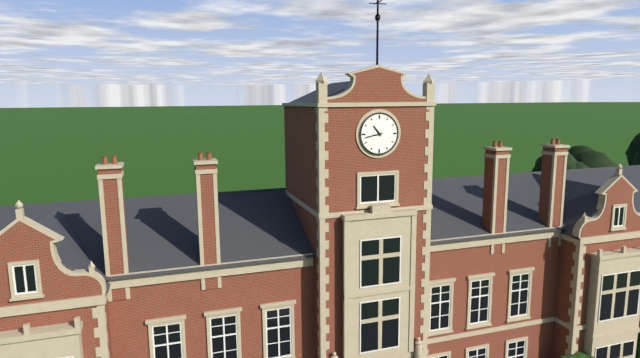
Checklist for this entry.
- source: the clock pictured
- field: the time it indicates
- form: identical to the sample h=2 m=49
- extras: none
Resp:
h=10 m=43
